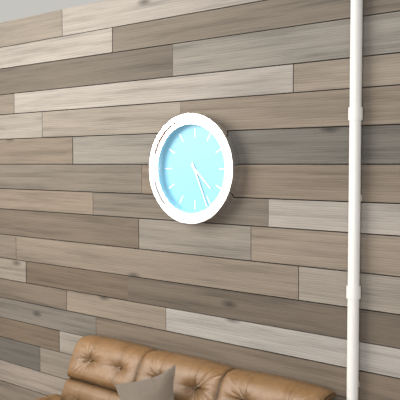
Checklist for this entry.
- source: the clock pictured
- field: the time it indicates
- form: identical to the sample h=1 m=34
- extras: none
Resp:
h=4 m=26
